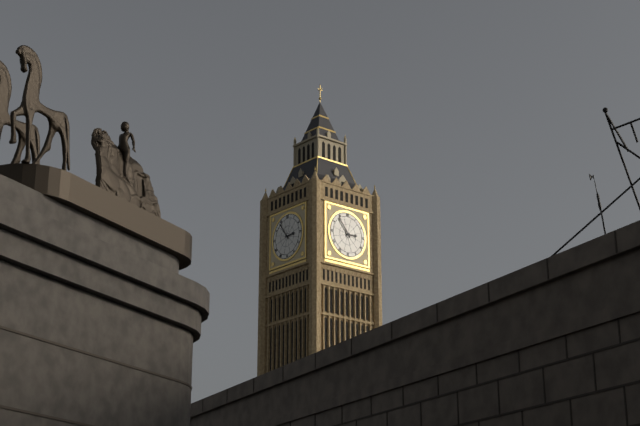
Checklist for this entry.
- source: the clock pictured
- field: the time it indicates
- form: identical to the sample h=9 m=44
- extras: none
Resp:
h=2 m=54
